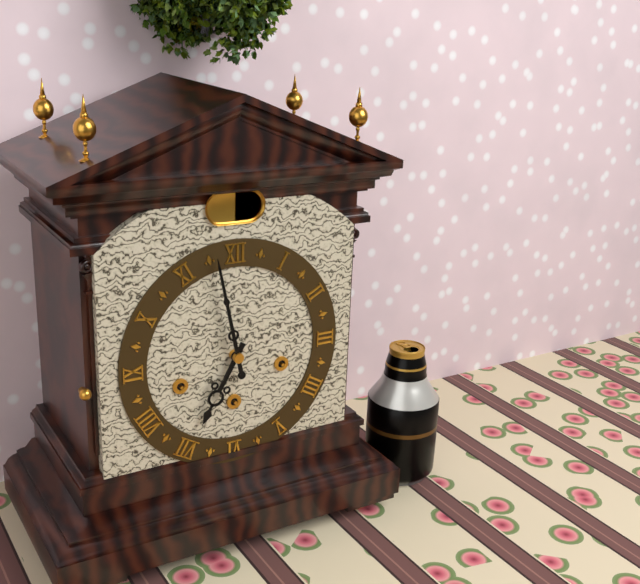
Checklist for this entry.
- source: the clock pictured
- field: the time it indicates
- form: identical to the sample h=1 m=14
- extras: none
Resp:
h=6 m=58
